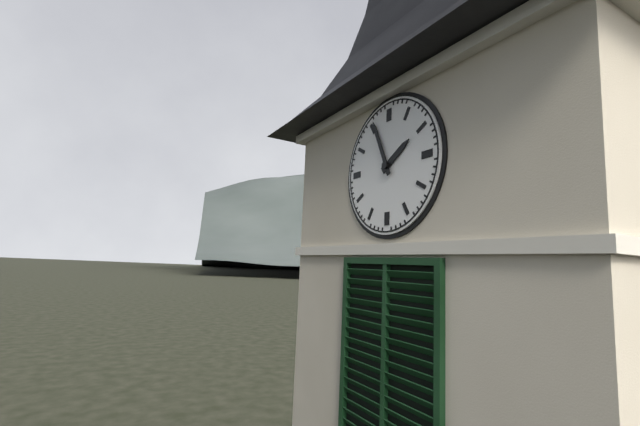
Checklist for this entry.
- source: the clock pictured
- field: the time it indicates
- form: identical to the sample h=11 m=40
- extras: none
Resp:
h=1 m=56
